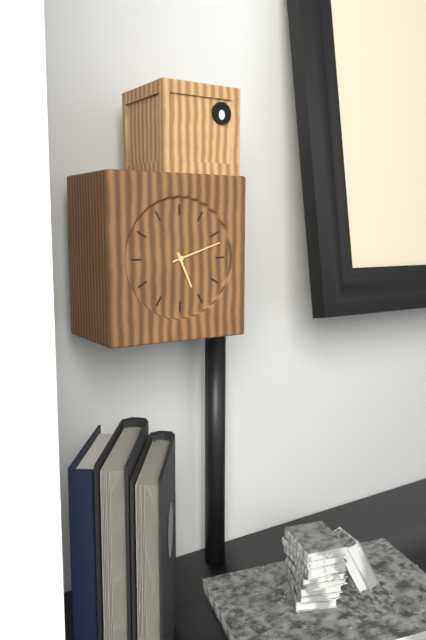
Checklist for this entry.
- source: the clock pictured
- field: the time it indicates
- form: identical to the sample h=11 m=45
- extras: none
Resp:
h=5 m=12
